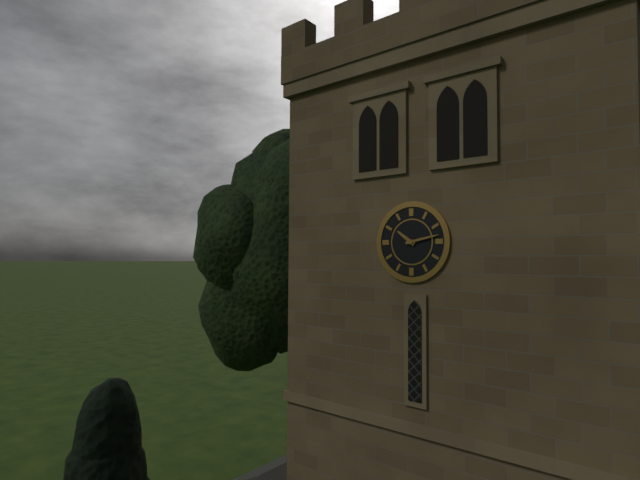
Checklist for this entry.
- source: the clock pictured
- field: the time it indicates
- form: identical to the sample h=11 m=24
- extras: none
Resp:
h=10 m=13
